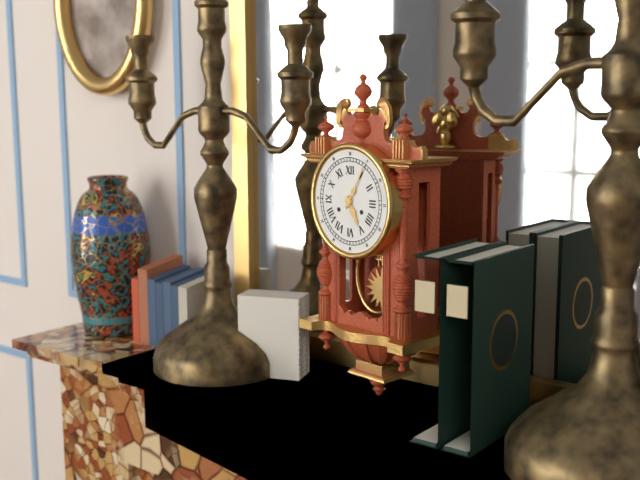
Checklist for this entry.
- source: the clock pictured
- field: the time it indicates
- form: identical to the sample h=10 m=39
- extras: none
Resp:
h=5 m=5
